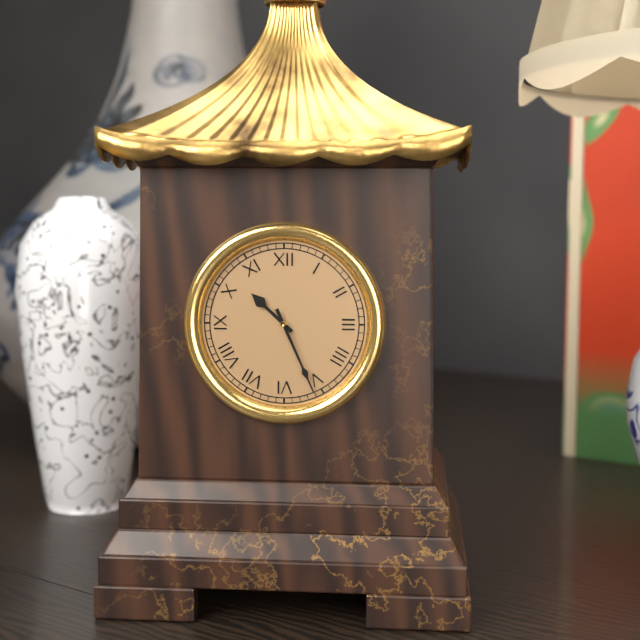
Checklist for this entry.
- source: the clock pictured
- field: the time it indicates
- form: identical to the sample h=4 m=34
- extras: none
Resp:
h=10 m=26
